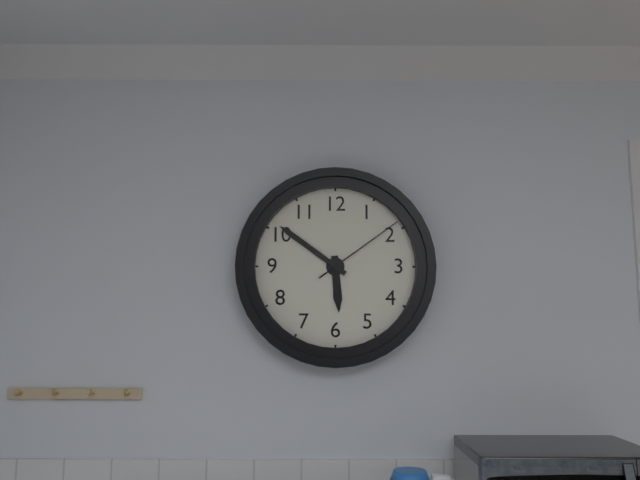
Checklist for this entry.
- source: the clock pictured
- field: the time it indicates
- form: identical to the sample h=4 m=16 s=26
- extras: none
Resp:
h=5 m=51 s=9
